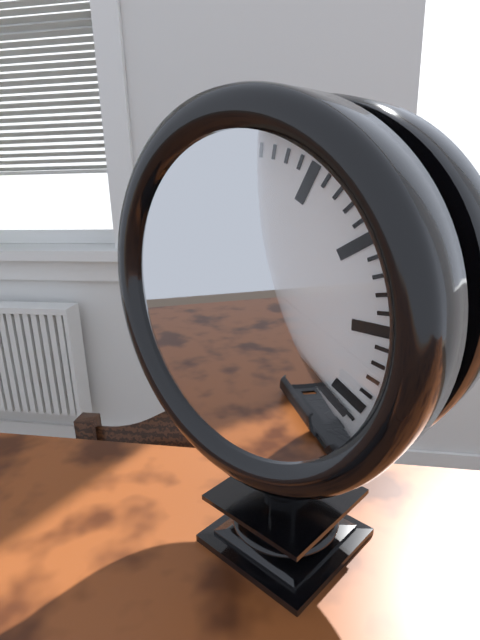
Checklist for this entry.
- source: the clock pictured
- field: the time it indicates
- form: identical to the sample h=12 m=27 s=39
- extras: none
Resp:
h=6 m=21 s=54
